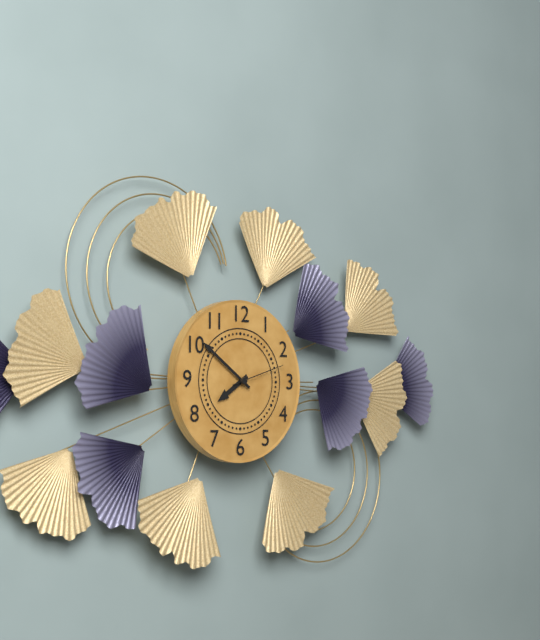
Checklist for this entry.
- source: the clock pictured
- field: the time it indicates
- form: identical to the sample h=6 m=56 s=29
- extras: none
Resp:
h=7 m=51 s=12
